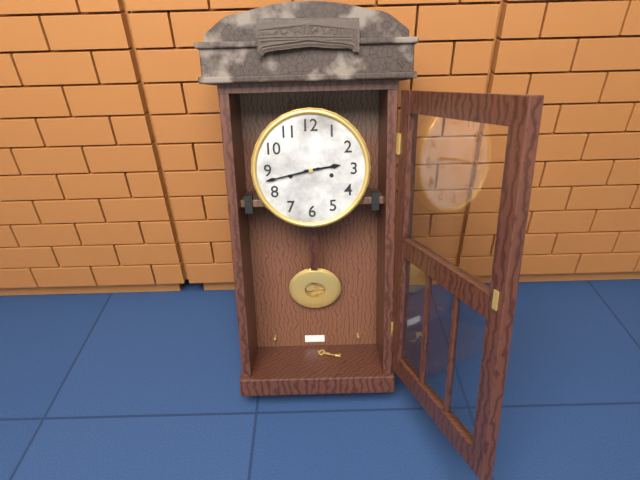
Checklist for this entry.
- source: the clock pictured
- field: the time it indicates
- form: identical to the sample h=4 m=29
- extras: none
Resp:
h=2 m=43
